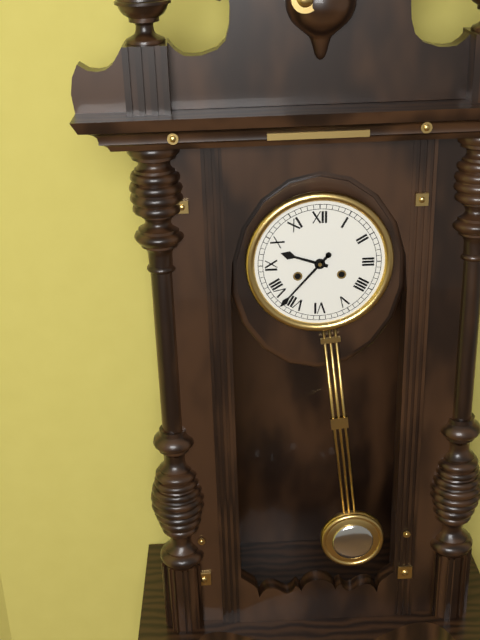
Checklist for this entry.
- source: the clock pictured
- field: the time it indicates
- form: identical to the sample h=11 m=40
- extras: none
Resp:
h=9 m=37
